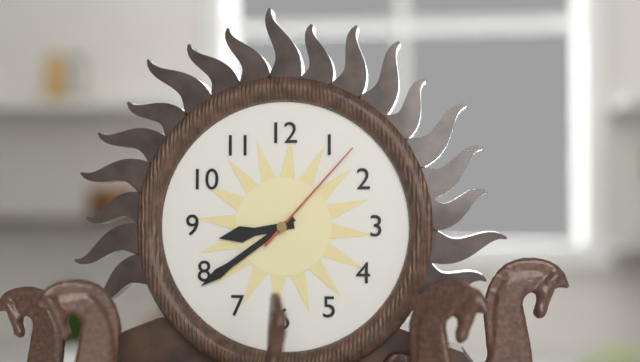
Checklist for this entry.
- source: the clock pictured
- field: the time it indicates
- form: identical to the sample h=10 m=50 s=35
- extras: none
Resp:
h=8 m=39 s=7
